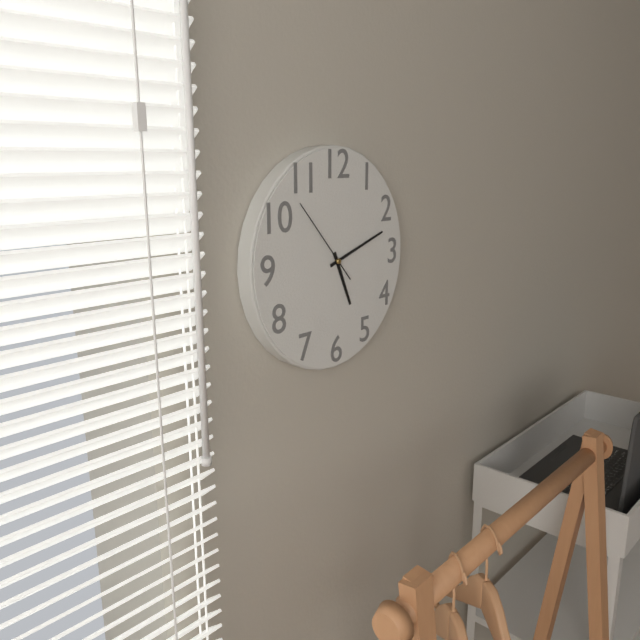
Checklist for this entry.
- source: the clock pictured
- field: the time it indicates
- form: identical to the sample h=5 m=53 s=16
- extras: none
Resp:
h=5 m=12 s=53
